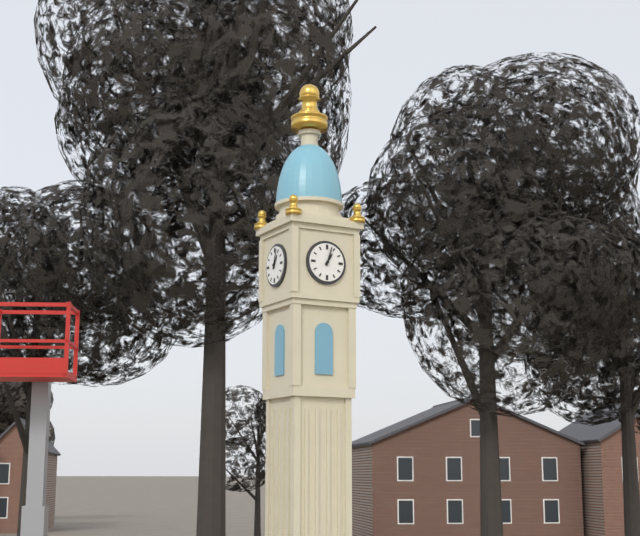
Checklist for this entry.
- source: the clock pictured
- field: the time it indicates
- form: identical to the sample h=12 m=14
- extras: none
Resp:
h=1 m=3
